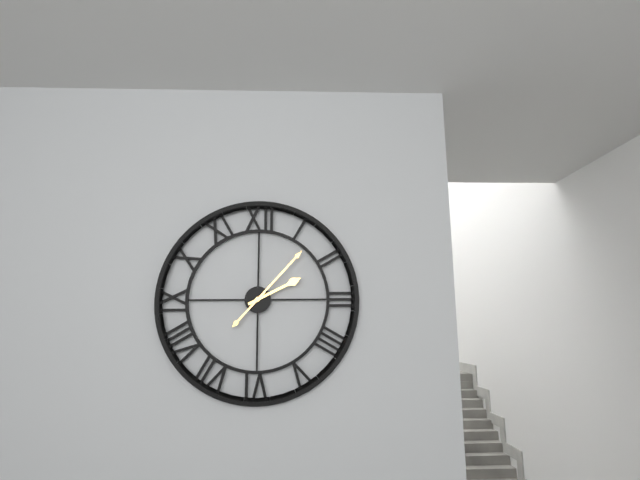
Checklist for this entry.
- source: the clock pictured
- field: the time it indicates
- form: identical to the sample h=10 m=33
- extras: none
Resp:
h=2 m=7
